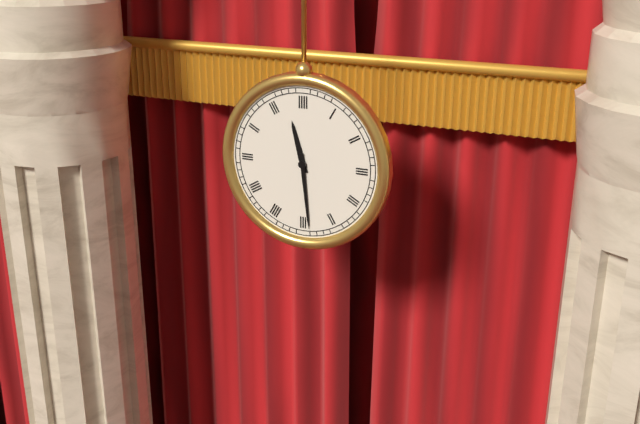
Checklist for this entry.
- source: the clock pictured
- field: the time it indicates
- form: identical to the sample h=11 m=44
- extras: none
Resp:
h=11 m=29
